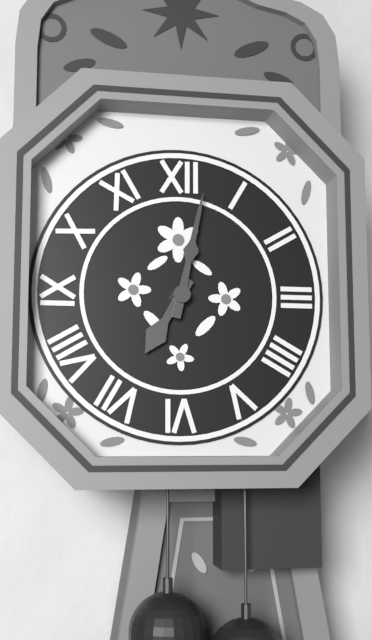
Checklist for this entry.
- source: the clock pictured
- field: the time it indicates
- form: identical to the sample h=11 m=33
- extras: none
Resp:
h=7 m=2
